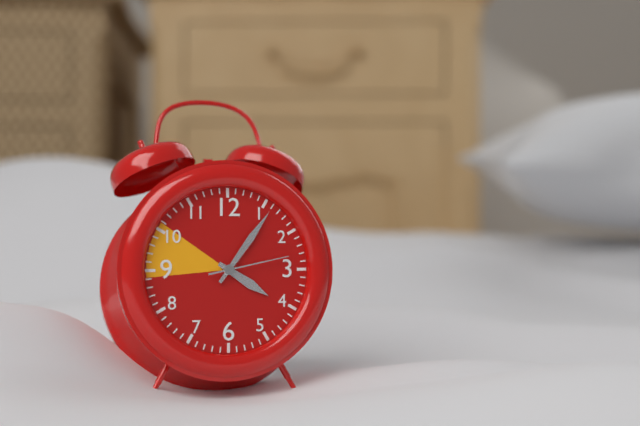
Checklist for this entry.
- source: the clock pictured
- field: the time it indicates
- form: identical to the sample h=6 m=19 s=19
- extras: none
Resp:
h=4 m=6 s=13
